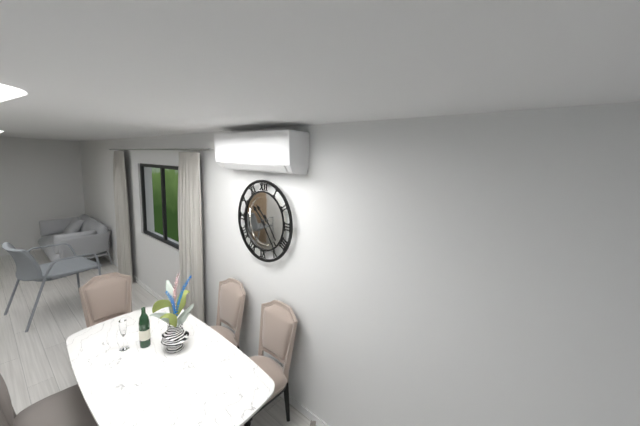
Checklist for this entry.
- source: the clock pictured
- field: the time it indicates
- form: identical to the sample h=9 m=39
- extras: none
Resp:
h=10 m=24
